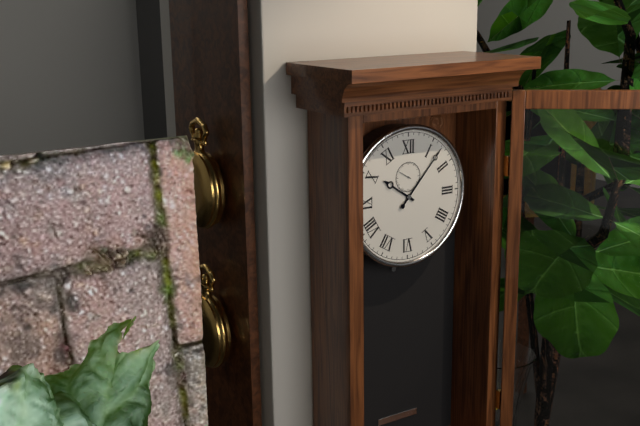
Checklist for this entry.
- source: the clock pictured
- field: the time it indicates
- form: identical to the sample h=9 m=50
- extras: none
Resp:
h=10 m=7
